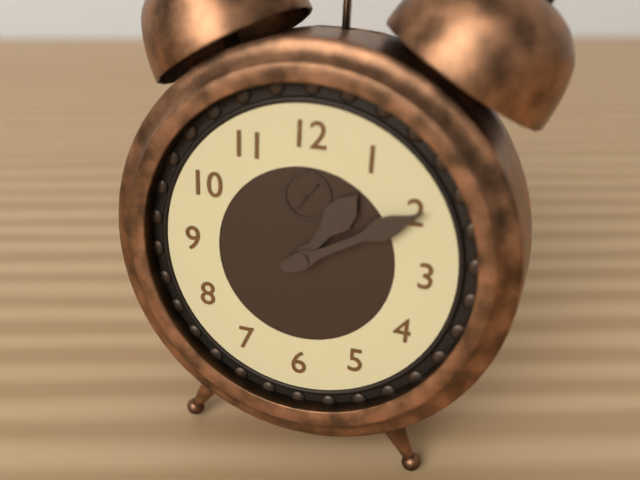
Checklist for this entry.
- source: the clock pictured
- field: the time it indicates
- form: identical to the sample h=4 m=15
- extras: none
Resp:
h=1 m=10
